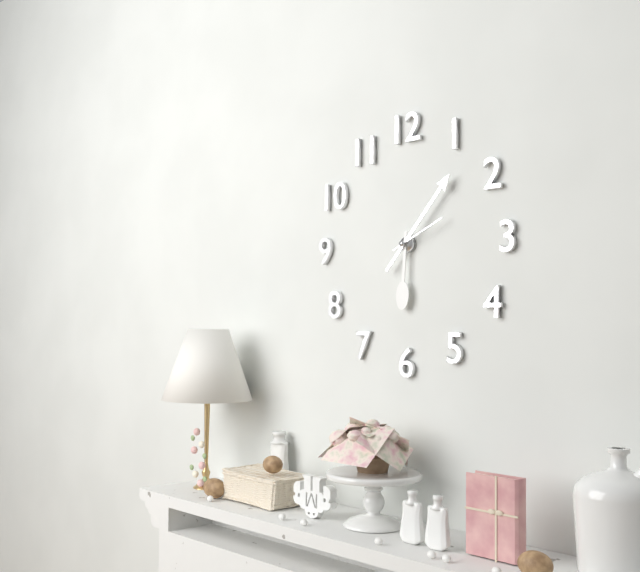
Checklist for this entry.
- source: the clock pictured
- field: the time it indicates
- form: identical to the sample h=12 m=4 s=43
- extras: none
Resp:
h=6 m=7 s=11
